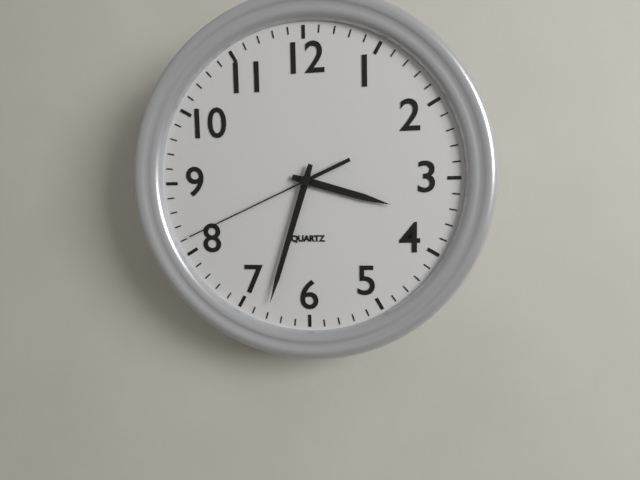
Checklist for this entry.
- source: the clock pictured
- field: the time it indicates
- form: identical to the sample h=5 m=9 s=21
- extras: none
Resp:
h=3 m=33 s=41
